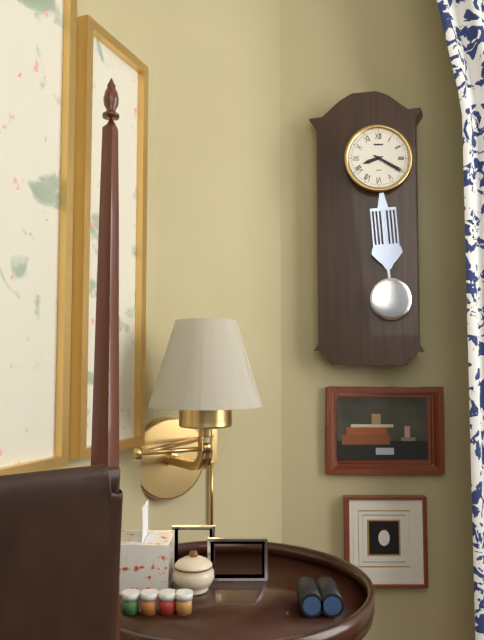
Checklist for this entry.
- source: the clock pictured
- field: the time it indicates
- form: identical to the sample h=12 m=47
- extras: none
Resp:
h=8 m=20
